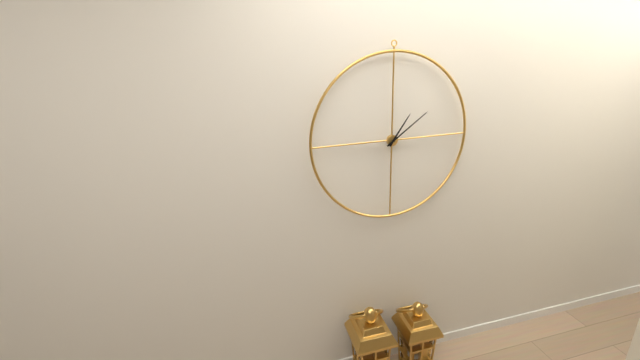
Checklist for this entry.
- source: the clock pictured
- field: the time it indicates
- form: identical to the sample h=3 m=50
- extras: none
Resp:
h=1 m=9
